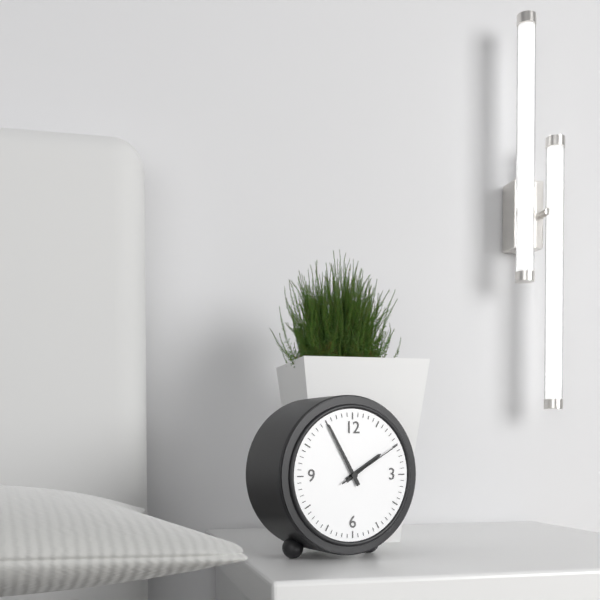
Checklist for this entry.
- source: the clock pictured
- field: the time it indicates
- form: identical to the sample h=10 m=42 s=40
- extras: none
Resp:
h=1 m=55 s=10
